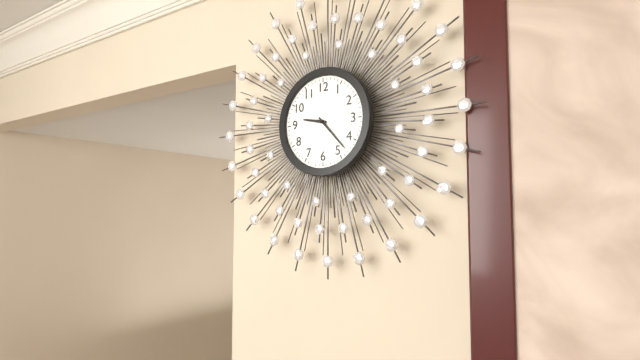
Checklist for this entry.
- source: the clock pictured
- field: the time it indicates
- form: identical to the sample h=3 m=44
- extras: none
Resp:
h=9 m=23
